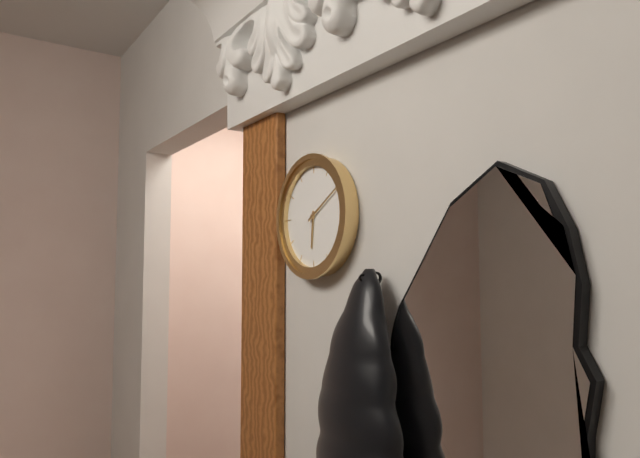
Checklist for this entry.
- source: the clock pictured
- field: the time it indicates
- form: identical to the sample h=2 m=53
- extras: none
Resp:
h=6 m=10
